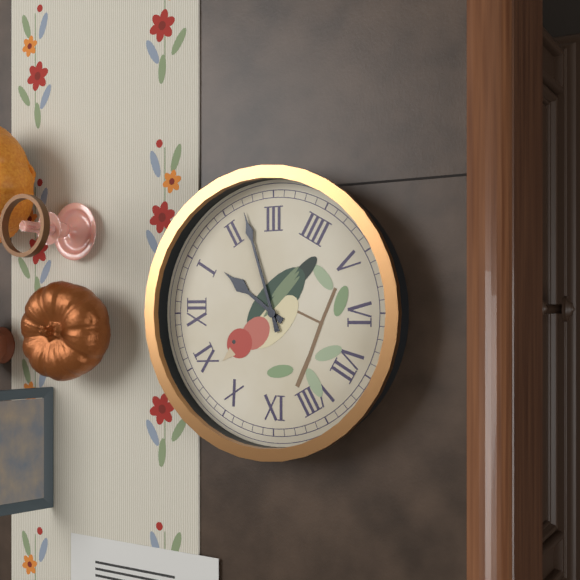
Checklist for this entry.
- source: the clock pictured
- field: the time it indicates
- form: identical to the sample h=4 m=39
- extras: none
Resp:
h=1 m=12
